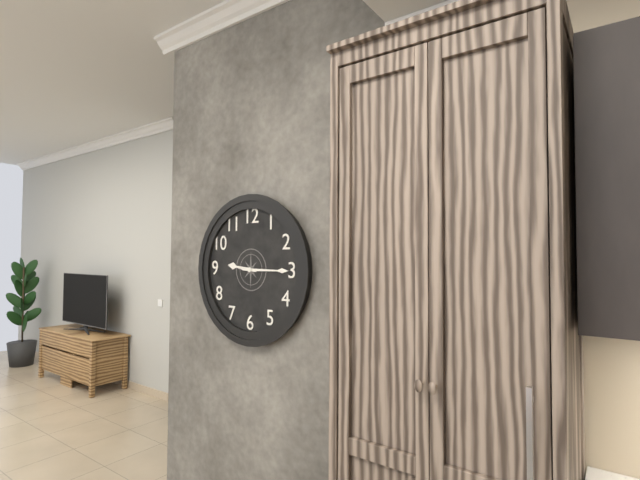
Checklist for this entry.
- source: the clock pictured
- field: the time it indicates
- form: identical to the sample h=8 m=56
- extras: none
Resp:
h=9 m=15
